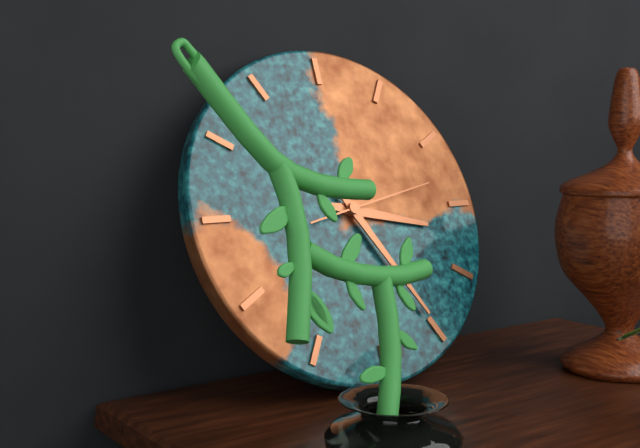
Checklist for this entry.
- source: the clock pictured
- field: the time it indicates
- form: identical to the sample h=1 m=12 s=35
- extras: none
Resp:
h=3 m=25 s=13
